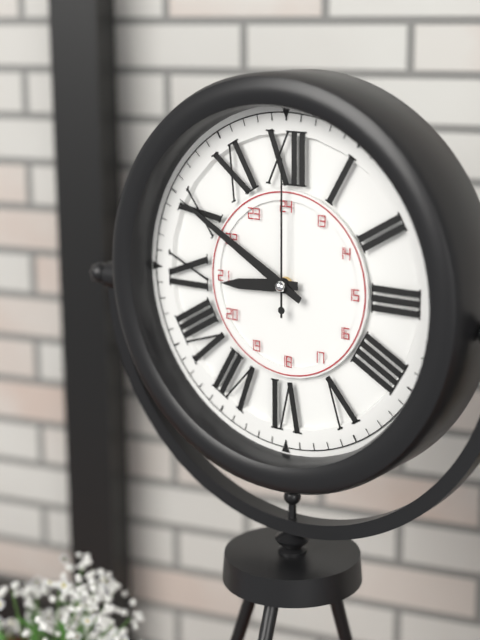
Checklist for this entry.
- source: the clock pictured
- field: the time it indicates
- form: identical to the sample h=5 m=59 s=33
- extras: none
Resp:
h=8 m=50 s=0
